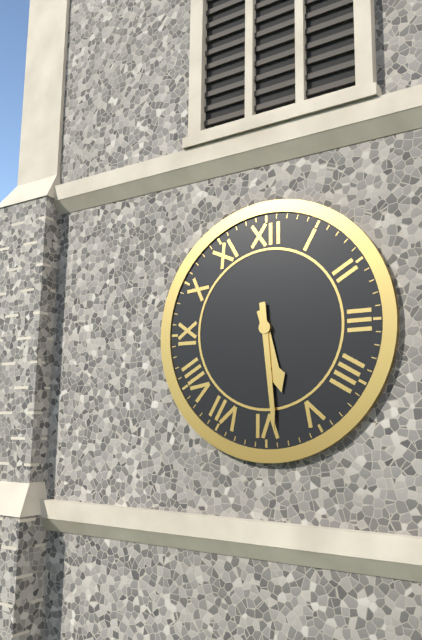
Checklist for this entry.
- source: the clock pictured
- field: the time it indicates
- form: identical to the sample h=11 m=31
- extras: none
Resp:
h=5 m=29
